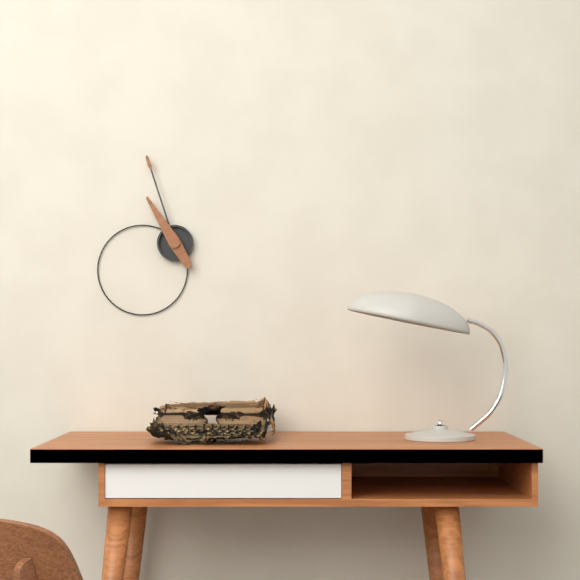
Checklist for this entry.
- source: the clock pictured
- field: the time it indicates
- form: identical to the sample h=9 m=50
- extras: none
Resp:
h=10 m=57
